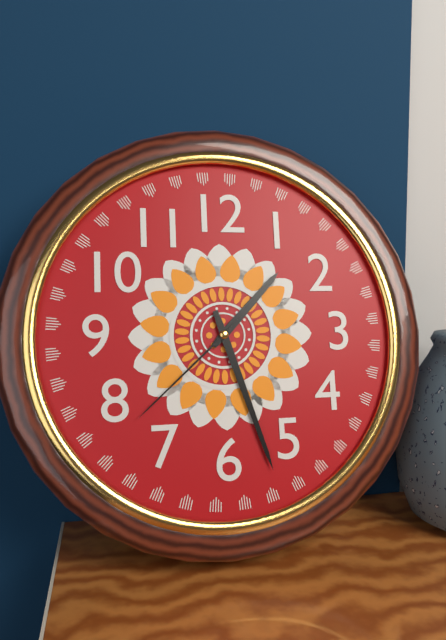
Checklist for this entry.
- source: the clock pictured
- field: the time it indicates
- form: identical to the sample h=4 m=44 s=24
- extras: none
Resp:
h=1 m=27 s=38
